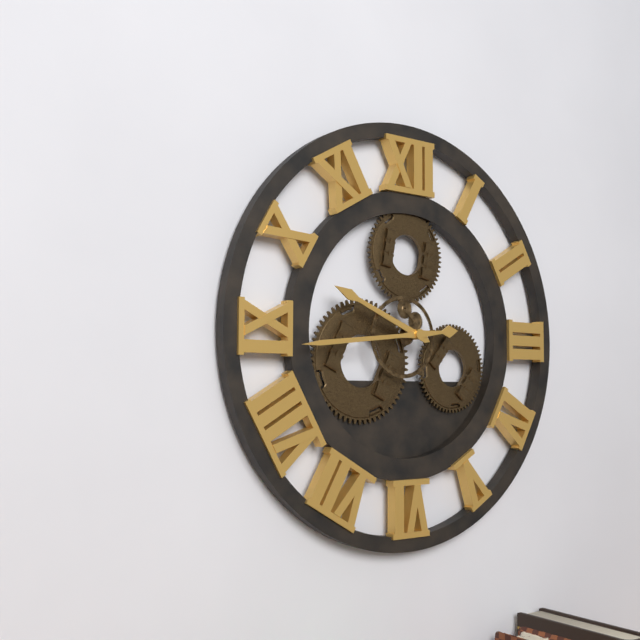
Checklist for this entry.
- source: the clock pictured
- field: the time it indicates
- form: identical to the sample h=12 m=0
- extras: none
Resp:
h=9 m=44
